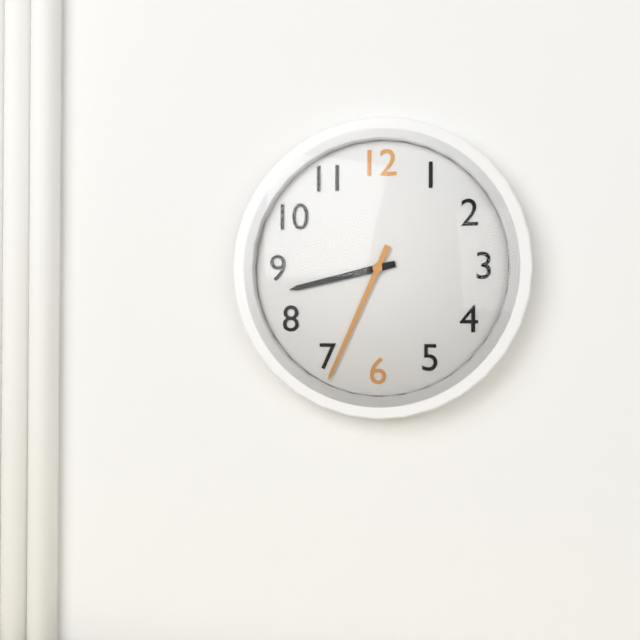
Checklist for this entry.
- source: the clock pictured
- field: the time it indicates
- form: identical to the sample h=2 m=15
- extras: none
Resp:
h=8 m=34
